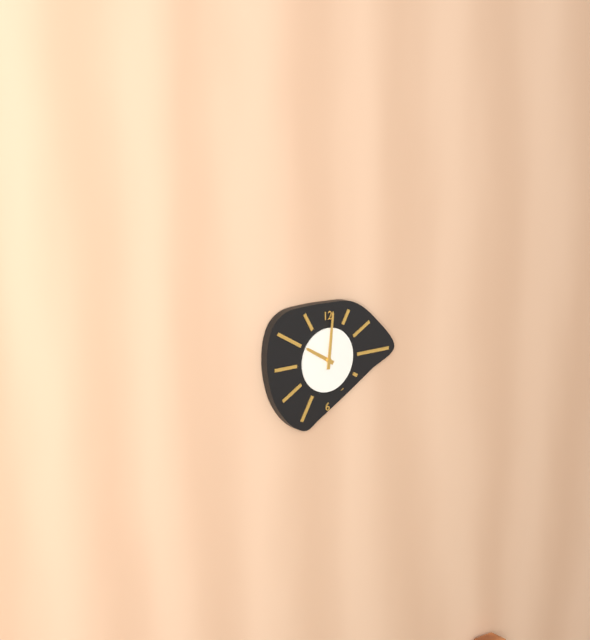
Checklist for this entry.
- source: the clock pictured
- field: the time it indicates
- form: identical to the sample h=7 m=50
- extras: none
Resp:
h=10 m=1
